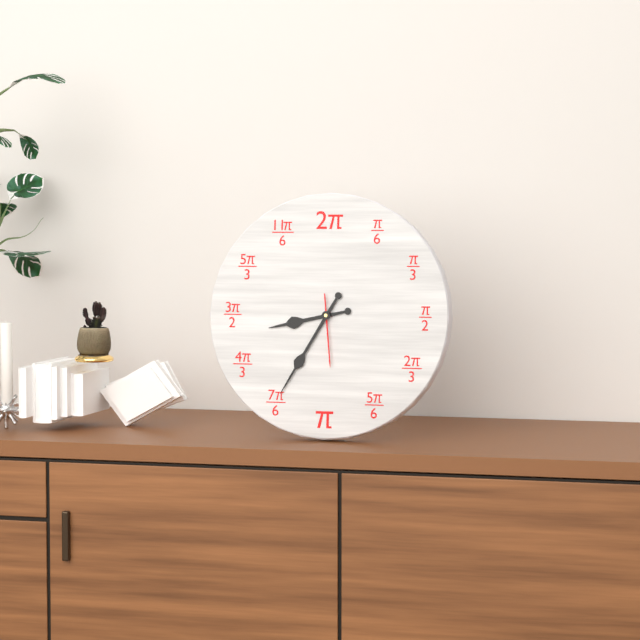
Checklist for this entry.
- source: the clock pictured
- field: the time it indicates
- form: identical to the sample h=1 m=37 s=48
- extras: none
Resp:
h=8 m=35 s=29
